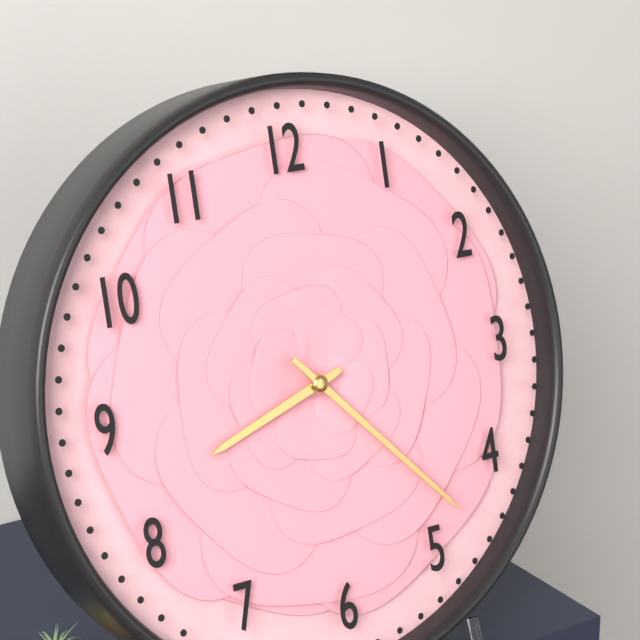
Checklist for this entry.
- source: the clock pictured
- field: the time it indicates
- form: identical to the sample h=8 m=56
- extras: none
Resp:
h=8 m=23
